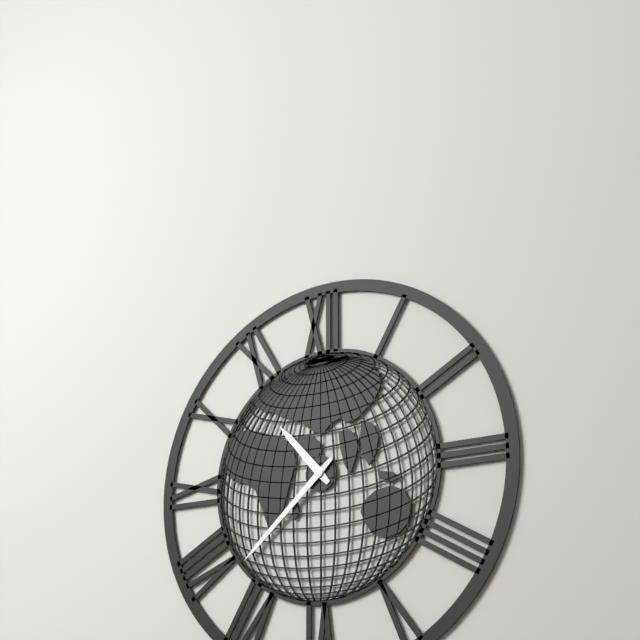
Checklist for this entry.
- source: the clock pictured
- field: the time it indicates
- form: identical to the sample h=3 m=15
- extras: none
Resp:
h=10 m=38
